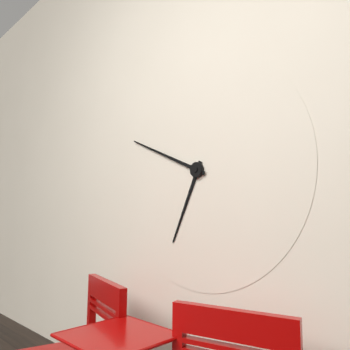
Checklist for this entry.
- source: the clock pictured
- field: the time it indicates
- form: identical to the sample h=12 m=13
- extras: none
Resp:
h=6 m=49
